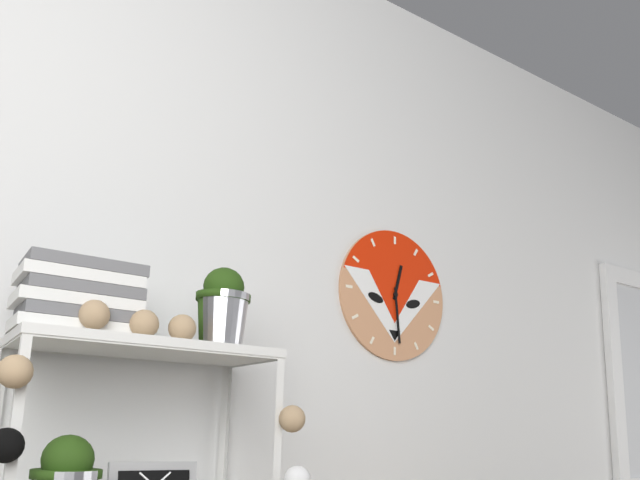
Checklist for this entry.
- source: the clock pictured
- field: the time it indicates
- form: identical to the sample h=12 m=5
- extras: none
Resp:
h=12 m=29
